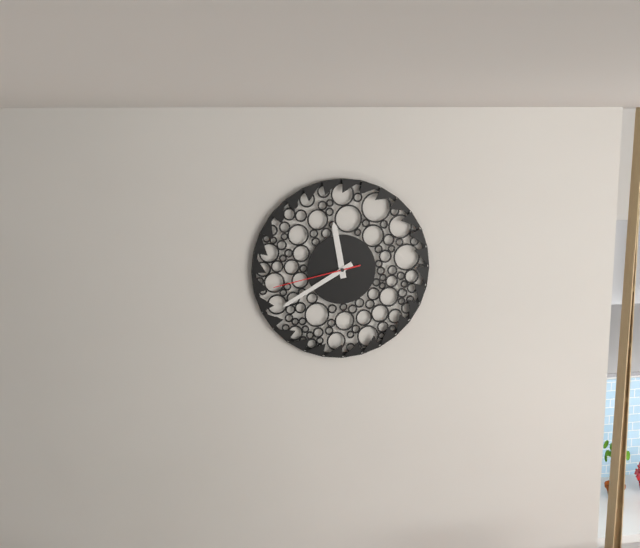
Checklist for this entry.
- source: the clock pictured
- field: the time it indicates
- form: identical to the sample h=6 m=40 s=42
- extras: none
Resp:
h=11 m=40 s=43
